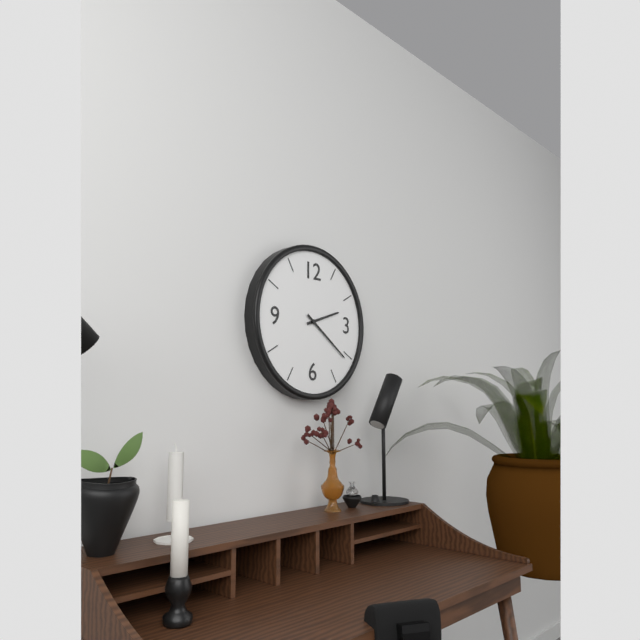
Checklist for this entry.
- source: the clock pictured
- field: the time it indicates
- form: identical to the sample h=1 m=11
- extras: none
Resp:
h=2 m=21
